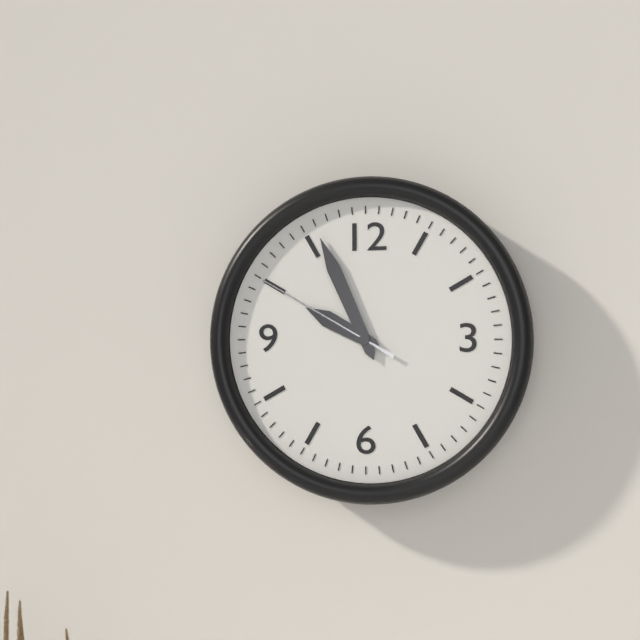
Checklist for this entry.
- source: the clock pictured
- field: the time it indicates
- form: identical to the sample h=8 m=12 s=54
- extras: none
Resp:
h=9 m=56 s=50
